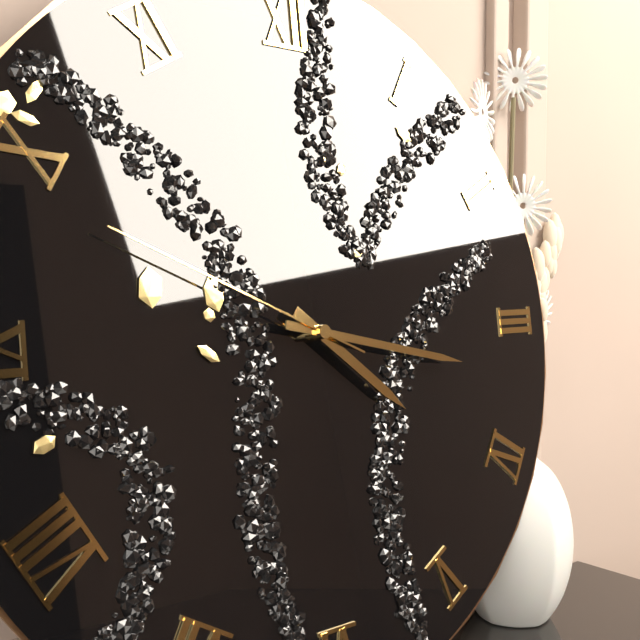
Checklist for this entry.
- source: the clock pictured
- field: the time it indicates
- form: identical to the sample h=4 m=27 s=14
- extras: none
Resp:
h=4 m=17 s=49
